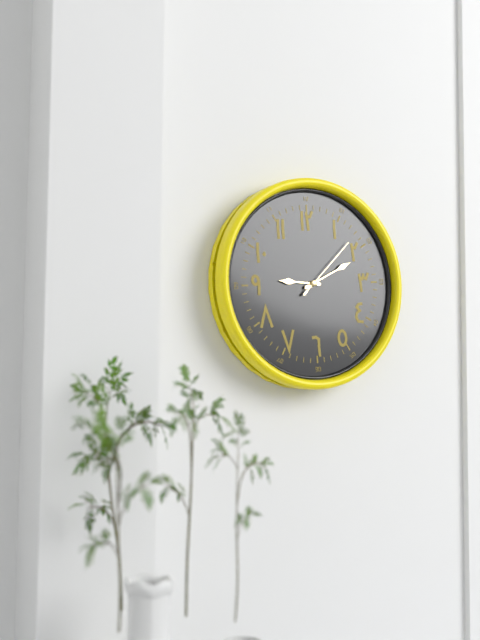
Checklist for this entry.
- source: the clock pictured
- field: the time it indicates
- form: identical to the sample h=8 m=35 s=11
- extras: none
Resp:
h=9 m=11 s=8
